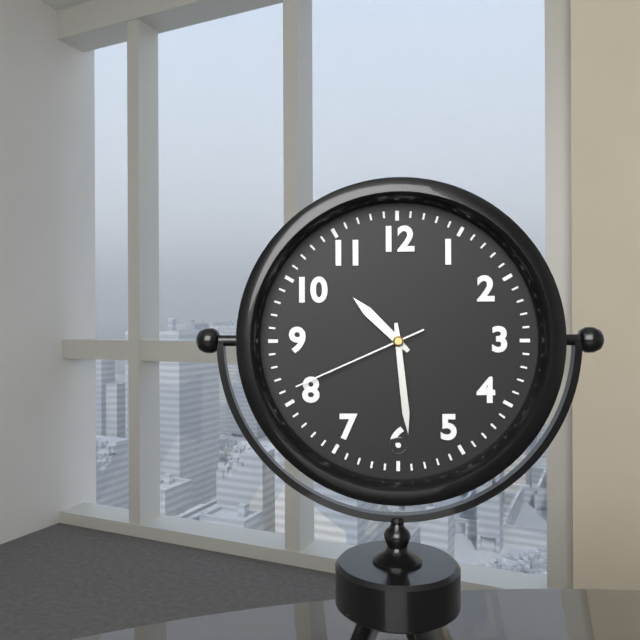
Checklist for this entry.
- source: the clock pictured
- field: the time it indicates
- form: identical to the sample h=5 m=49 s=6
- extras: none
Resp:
h=10 m=29 s=41
